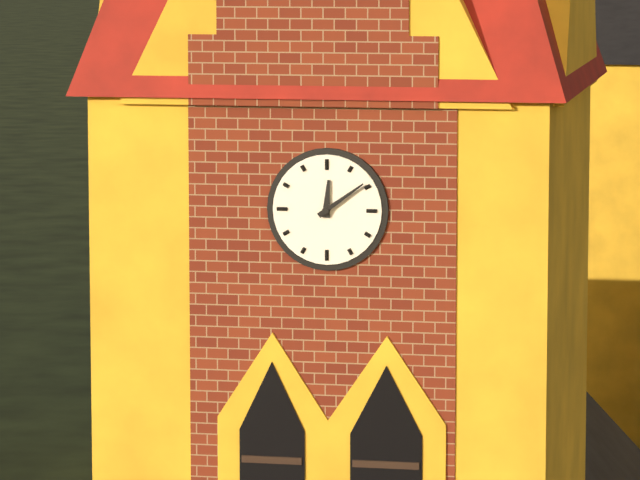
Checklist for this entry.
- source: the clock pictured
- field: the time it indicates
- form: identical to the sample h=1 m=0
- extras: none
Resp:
h=12 m=9
